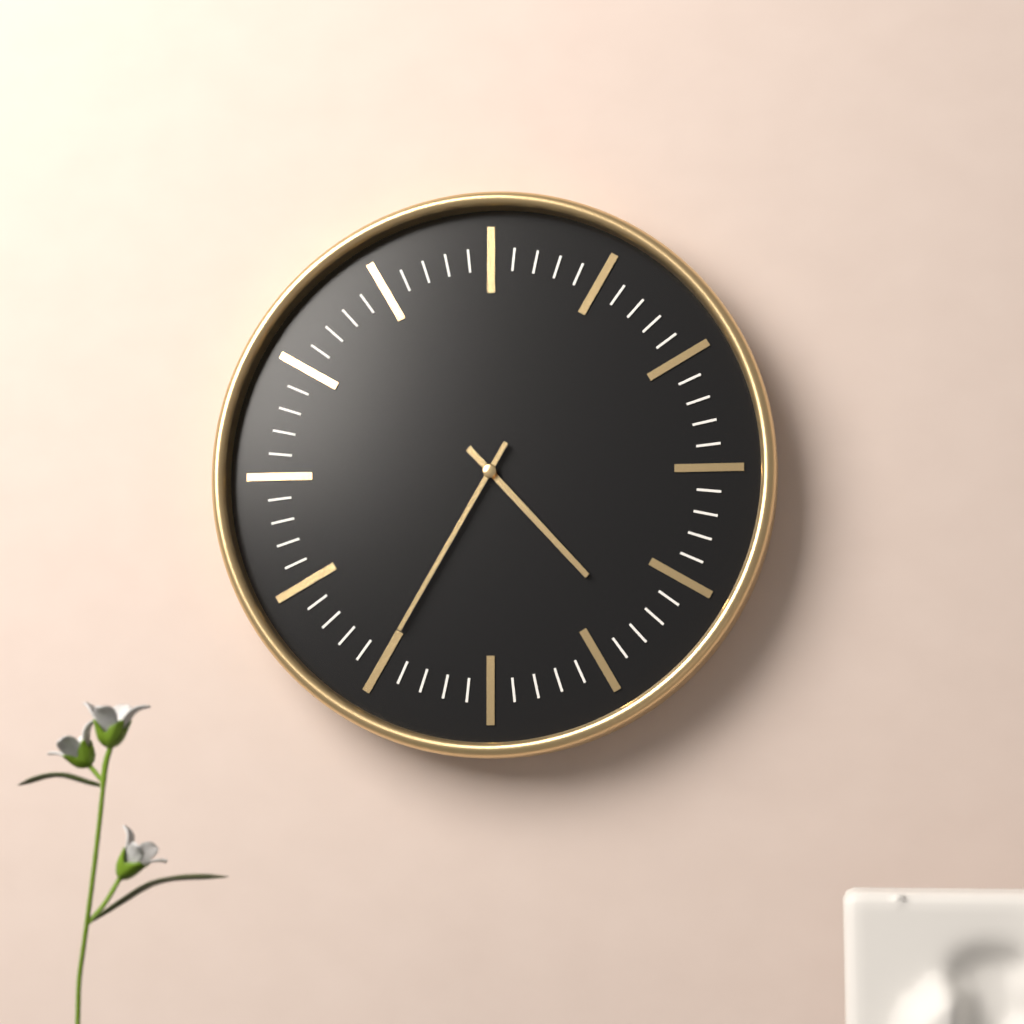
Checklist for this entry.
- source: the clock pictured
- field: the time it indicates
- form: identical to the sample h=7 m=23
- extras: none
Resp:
h=4 m=35
